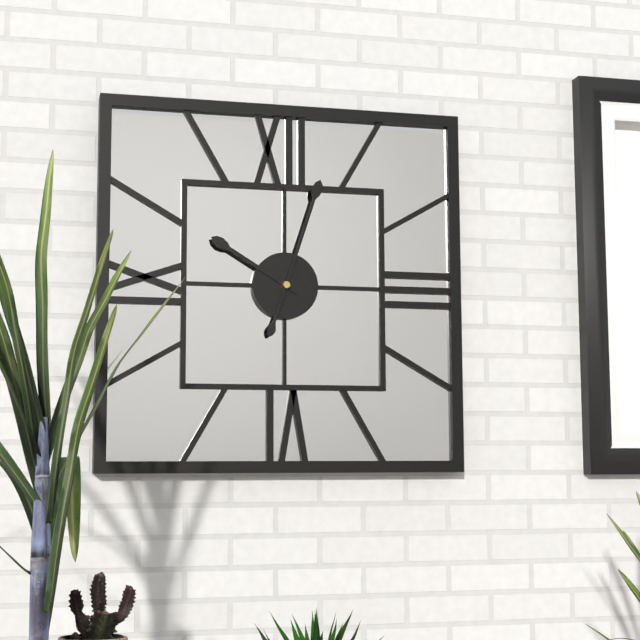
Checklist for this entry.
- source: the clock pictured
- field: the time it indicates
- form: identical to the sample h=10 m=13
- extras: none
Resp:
h=10 m=3
